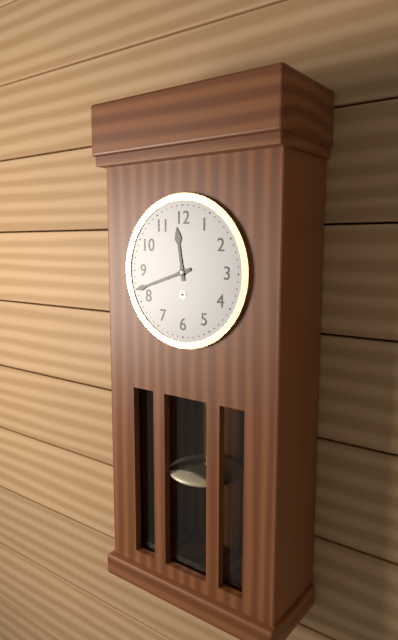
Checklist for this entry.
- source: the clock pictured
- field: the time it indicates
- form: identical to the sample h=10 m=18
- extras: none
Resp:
h=11 m=42
